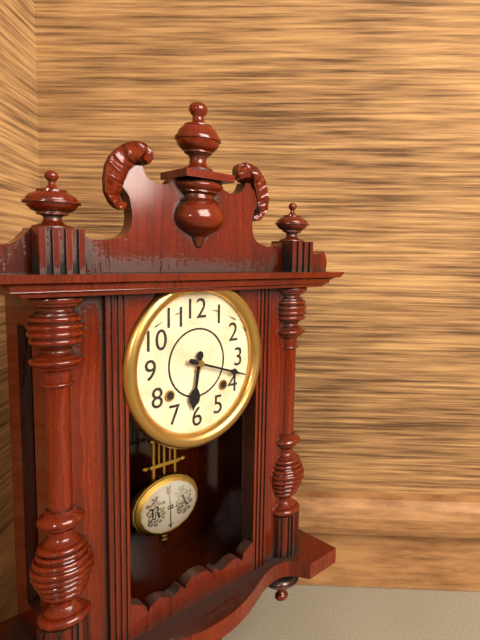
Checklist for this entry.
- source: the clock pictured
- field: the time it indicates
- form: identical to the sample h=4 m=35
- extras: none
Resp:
h=6 m=18
